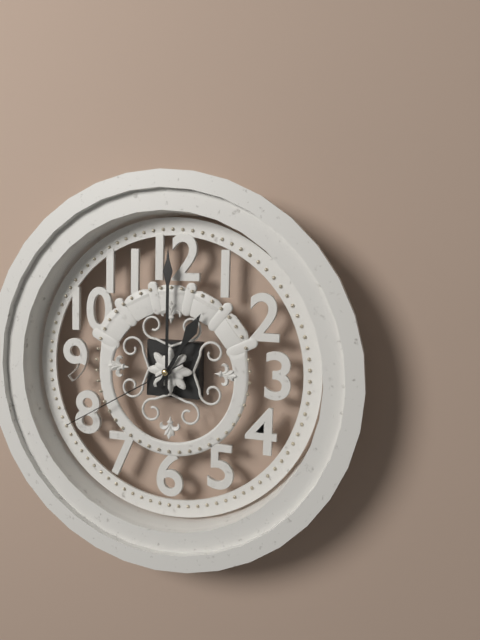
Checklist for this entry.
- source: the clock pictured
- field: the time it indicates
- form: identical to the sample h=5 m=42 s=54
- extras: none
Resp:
h=1 m=0 s=40
